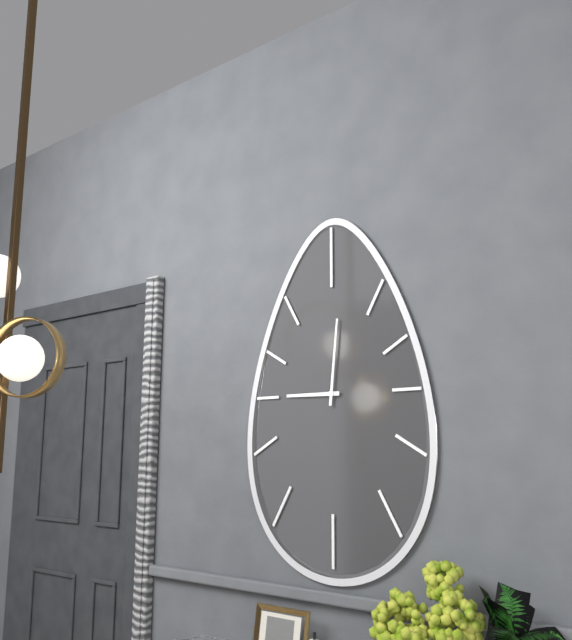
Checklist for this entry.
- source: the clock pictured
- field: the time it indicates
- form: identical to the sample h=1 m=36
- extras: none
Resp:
h=9 m=1
